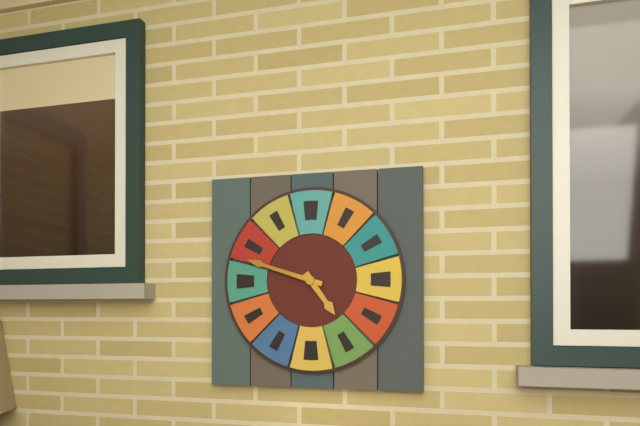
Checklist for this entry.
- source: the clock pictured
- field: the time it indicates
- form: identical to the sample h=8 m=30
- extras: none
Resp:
h=4 m=48
